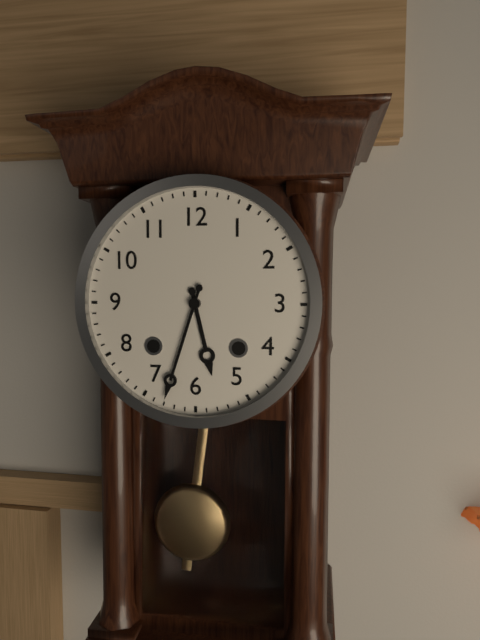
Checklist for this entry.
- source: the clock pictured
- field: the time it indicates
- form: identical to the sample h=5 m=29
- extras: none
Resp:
h=5 m=33
